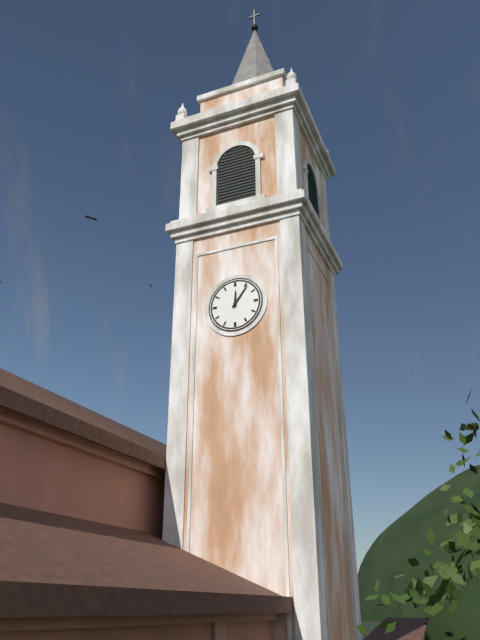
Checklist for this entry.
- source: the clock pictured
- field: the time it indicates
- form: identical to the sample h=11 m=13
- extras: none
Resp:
h=12 m=6
